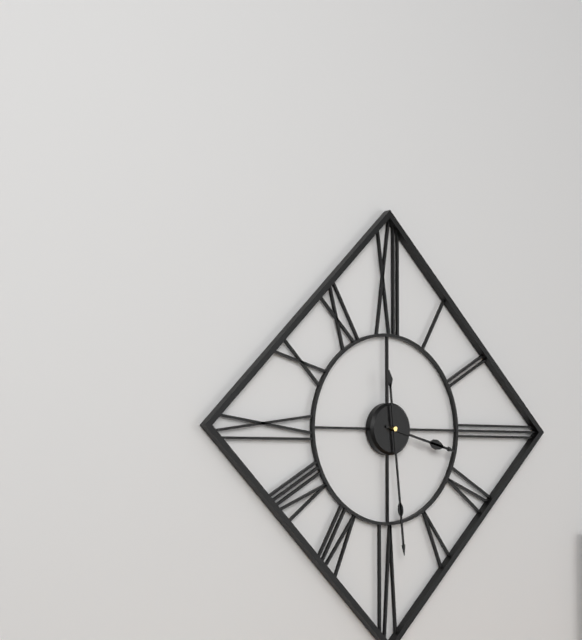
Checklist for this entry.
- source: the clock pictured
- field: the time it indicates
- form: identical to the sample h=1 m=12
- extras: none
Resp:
h=3 m=29
